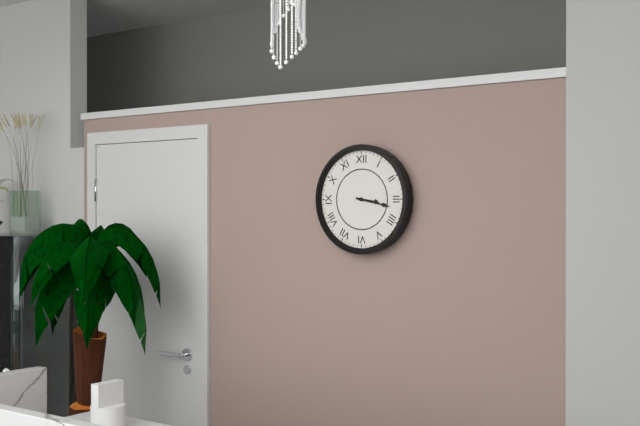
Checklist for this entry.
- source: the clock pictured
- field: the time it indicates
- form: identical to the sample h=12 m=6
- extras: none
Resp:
h=3 m=17
